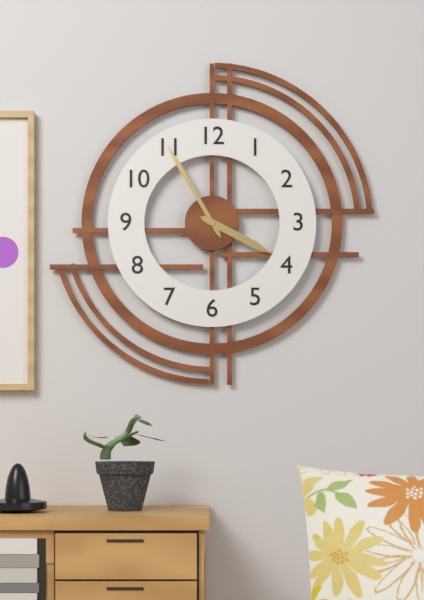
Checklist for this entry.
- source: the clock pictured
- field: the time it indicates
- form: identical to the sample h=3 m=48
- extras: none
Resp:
h=3 m=55
